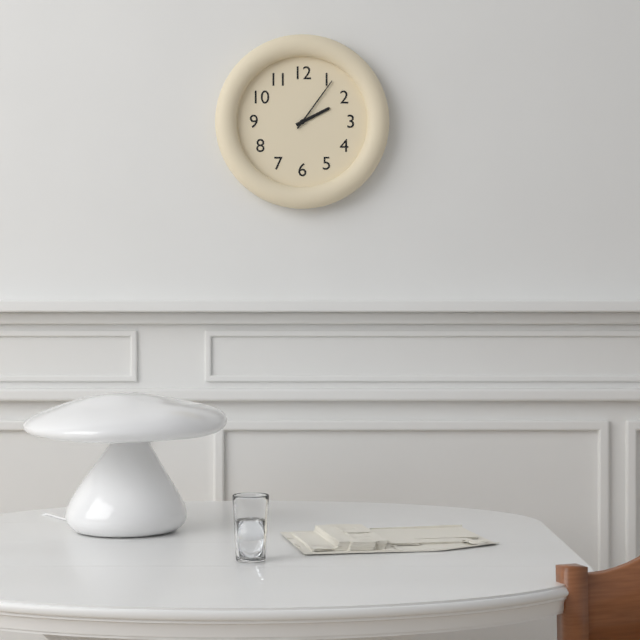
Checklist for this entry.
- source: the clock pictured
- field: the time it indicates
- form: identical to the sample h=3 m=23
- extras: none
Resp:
h=2 m=6
